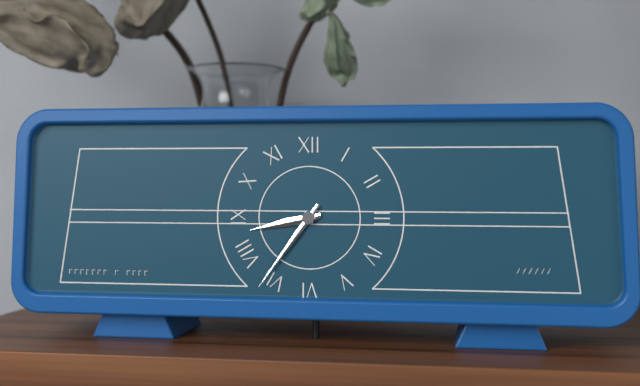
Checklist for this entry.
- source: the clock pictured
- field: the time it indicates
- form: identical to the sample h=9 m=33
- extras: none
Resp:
h=8 m=36
